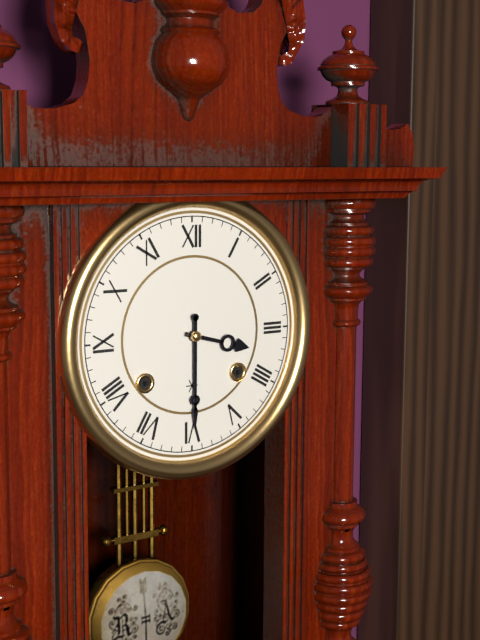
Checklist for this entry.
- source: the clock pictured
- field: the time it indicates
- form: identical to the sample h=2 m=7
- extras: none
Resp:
h=3 m=30
